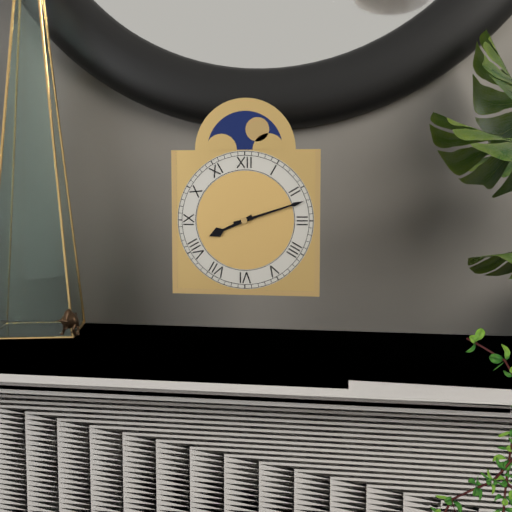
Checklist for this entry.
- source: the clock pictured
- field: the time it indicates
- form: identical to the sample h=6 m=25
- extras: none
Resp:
h=8 m=12
